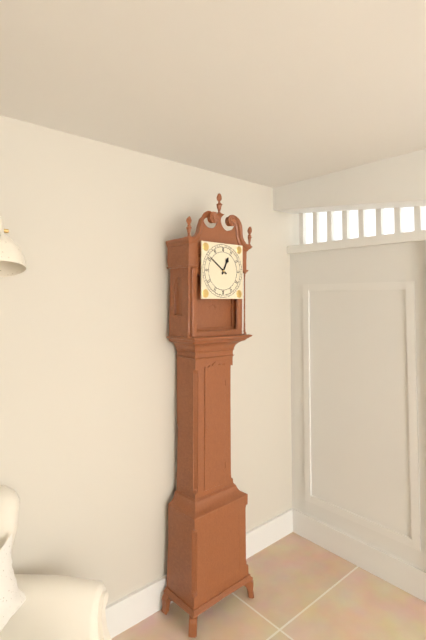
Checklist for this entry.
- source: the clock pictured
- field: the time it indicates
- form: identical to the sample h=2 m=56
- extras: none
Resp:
h=12 m=51
